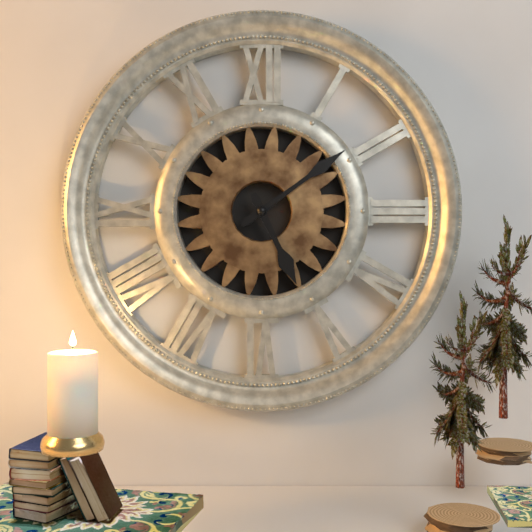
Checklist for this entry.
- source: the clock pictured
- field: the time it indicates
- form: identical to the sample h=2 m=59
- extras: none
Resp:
h=5 m=9
